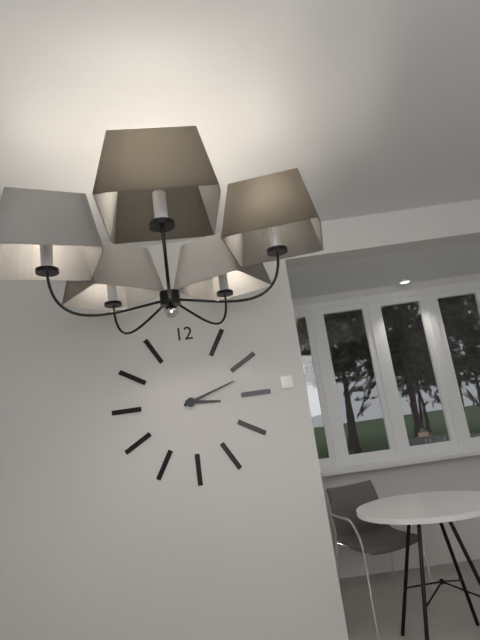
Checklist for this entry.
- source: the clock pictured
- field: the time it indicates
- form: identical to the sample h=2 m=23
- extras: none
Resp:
h=3 m=12
